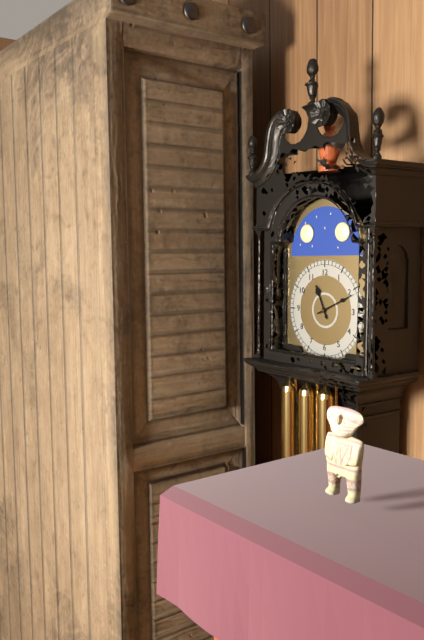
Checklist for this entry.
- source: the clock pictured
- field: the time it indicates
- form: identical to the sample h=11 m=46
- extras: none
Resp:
h=11 m=11
